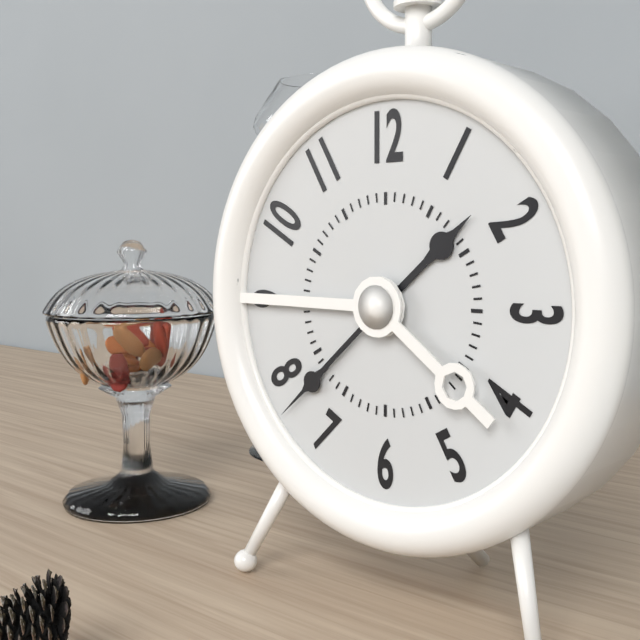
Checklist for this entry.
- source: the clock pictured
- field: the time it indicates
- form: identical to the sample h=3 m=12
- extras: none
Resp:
h=1 m=38
